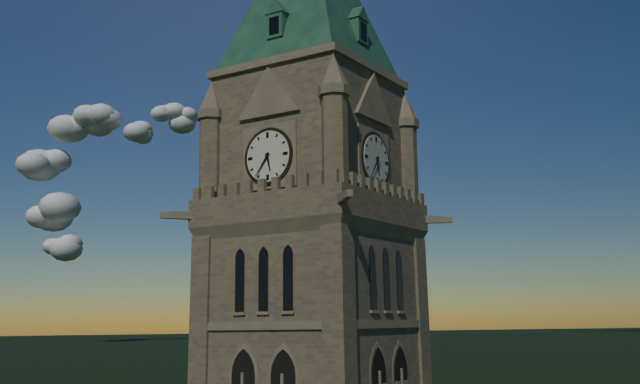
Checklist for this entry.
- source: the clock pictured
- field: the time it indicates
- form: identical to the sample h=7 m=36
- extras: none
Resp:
h=5 m=36
